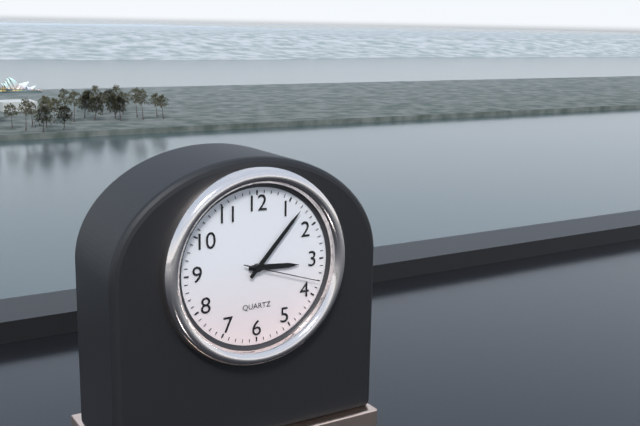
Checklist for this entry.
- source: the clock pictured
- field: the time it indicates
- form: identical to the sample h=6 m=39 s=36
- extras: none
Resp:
h=3 m=7 s=18
